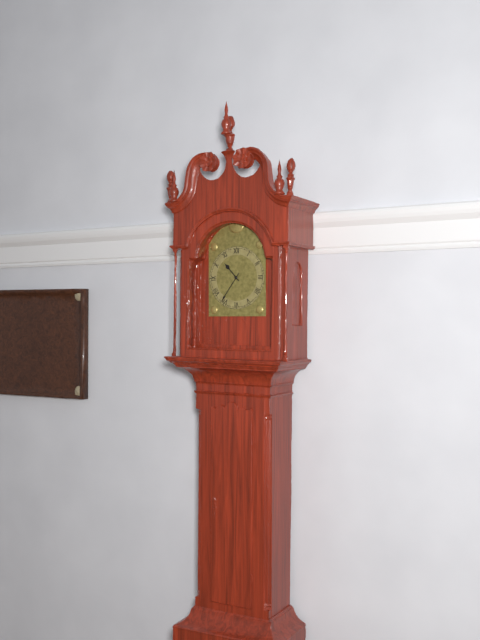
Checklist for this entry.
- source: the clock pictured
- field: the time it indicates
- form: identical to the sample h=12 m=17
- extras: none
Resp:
h=10 m=36
